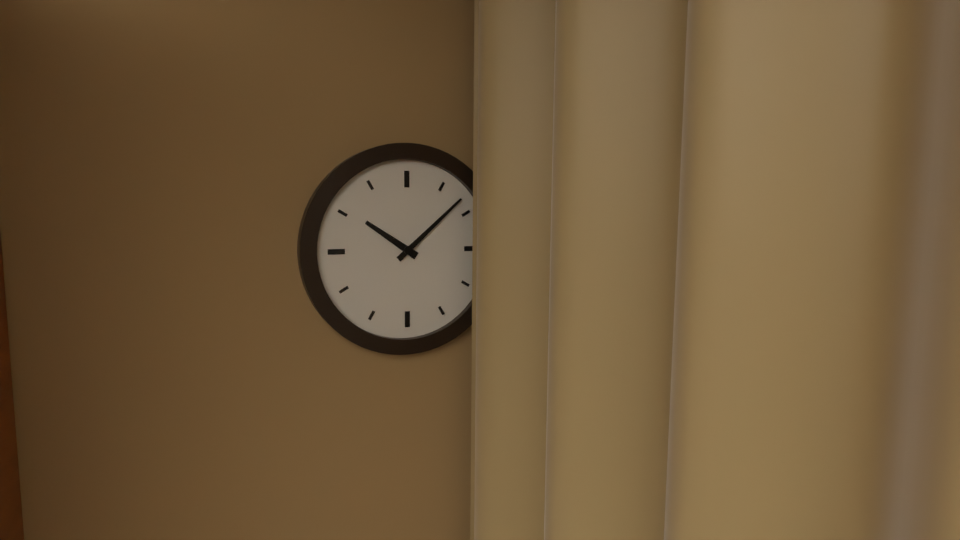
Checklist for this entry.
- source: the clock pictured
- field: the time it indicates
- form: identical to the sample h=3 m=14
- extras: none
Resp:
h=10 m=8
